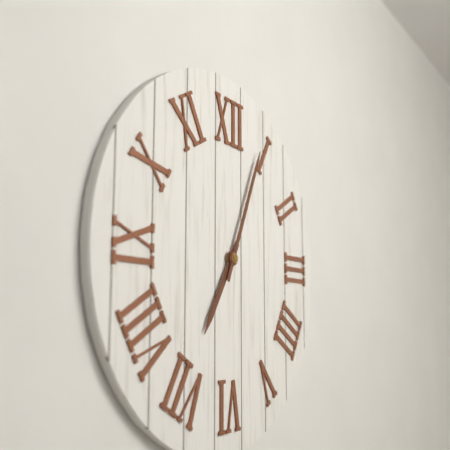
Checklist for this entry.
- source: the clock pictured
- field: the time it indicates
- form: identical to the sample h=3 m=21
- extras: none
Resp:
h=7 m=4
